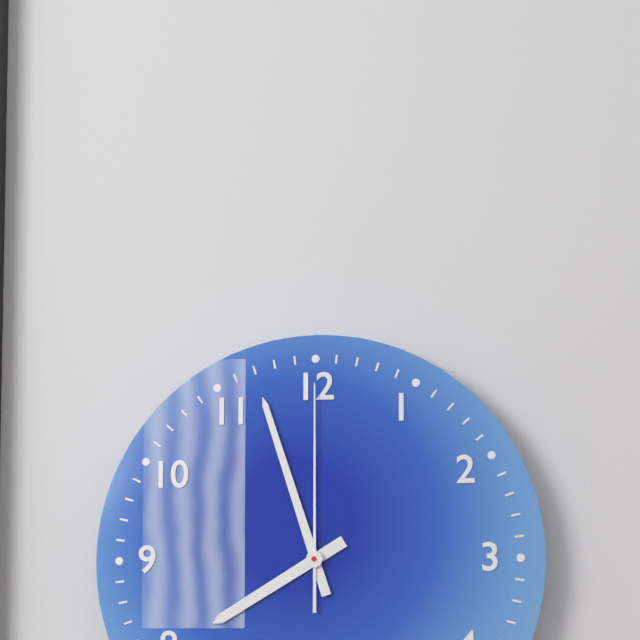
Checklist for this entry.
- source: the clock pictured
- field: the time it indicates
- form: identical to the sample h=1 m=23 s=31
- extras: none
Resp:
h=7 m=57 s=0
